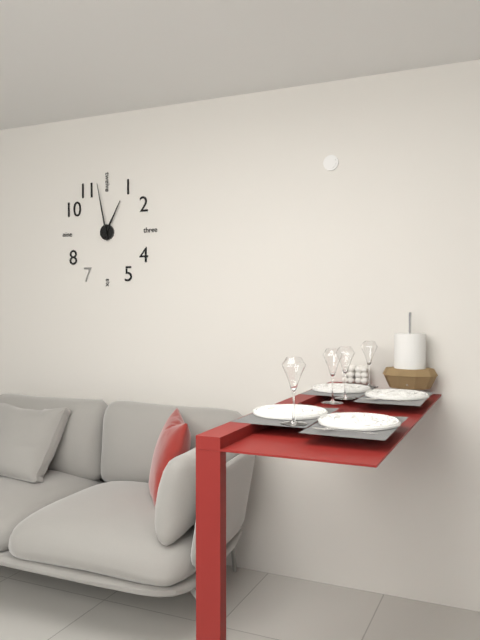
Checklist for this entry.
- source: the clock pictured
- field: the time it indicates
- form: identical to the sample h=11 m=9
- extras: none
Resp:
h=12 m=58
